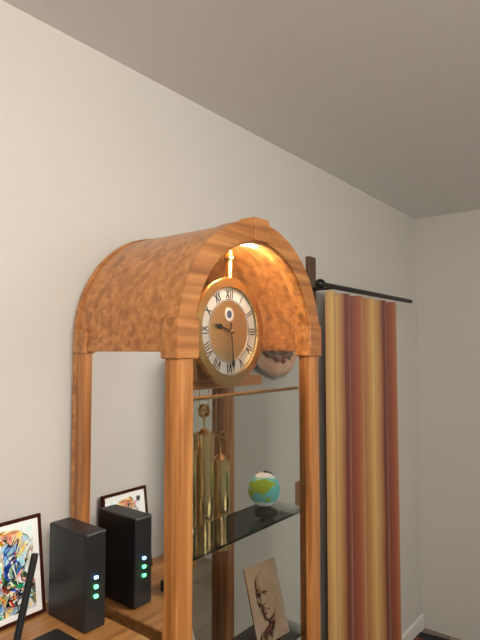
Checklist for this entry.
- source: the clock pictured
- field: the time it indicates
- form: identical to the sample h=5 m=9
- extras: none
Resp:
h=9 m=29
